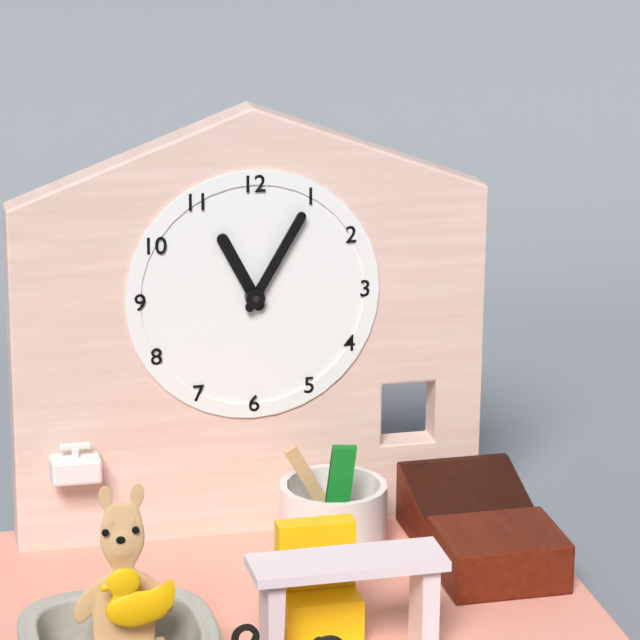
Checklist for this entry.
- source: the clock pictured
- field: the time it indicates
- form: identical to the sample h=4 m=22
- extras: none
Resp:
h=11 m=5
